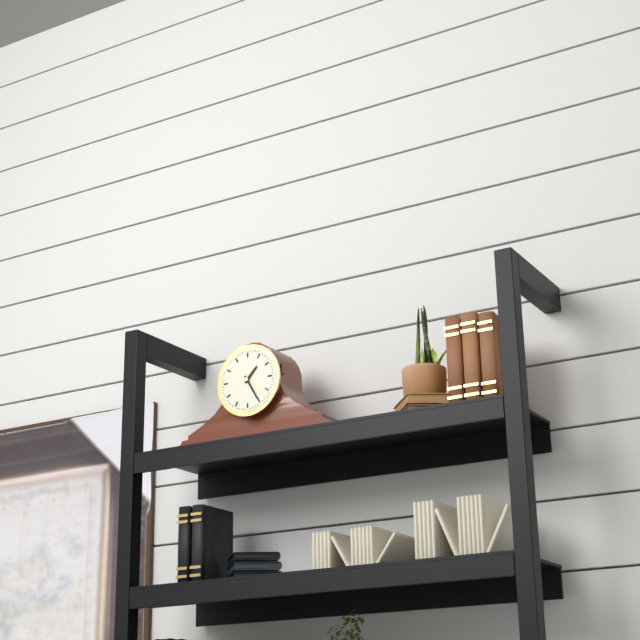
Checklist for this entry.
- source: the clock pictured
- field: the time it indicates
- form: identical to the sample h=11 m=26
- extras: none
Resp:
h=1 m=25
